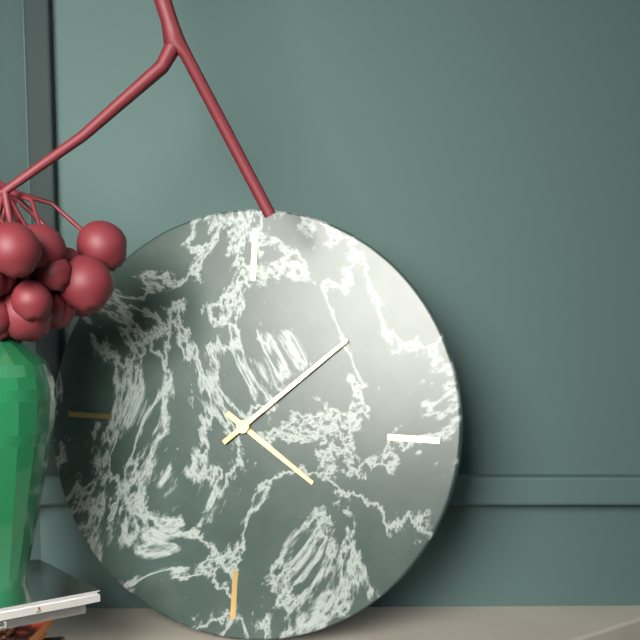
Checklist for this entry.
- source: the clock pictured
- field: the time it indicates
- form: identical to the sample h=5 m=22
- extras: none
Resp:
h=4 m=8
